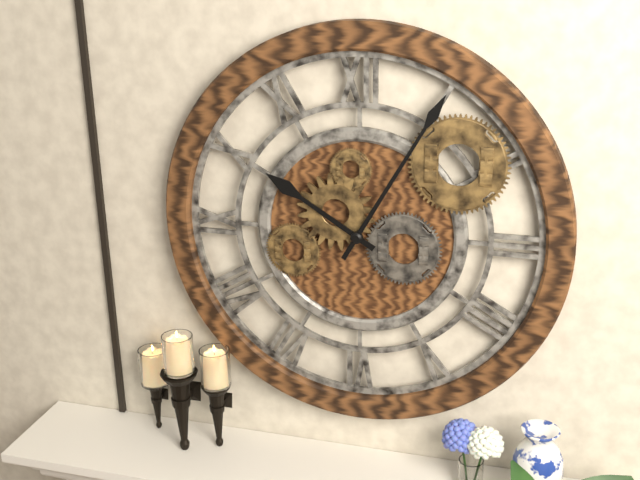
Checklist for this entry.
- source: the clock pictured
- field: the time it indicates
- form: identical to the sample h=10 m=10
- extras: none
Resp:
h=10 m=5
